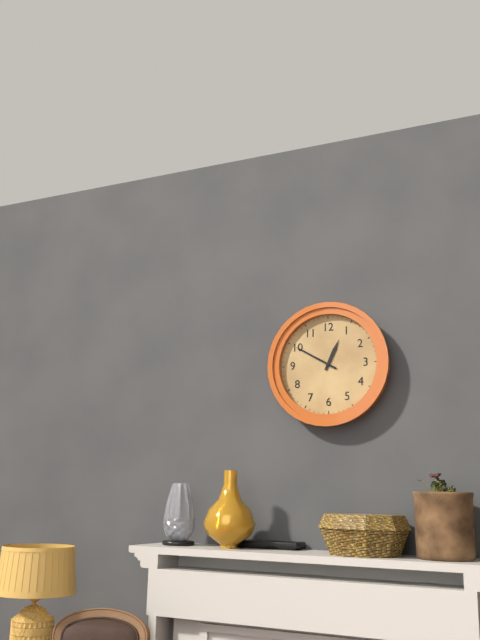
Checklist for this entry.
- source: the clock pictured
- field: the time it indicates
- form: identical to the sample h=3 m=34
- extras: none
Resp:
h=12 m=50
